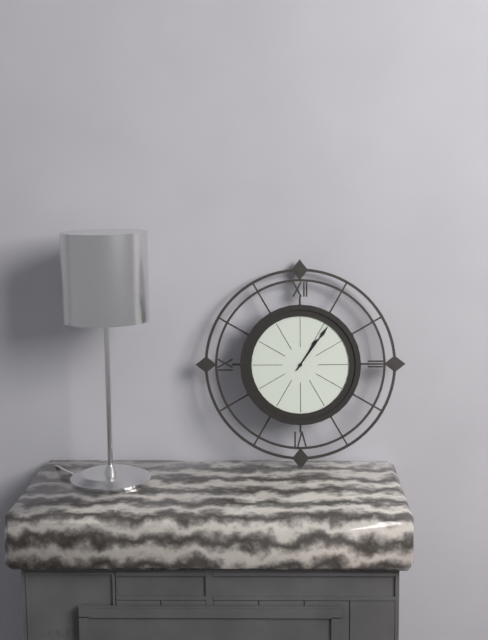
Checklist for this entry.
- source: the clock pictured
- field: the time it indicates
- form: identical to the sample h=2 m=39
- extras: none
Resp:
h=1 m=6
